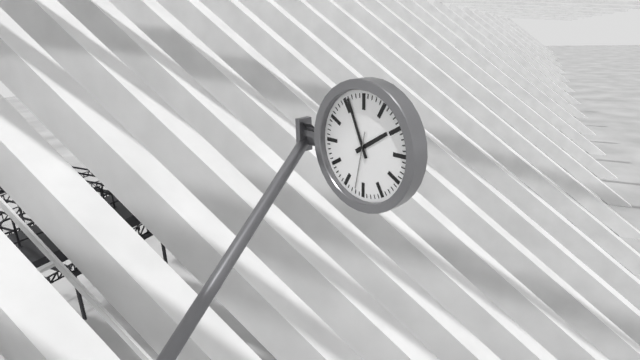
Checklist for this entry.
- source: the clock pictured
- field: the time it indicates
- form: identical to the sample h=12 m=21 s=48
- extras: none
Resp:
h=1 m=56 s=32
